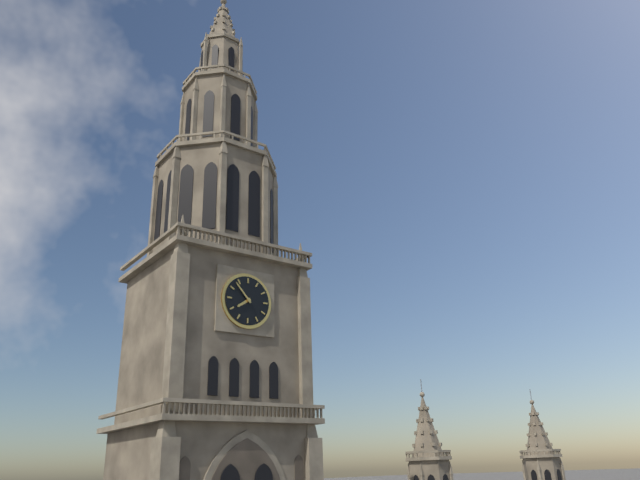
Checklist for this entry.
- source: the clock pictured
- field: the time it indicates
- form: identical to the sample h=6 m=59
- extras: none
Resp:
h=7 m=53
